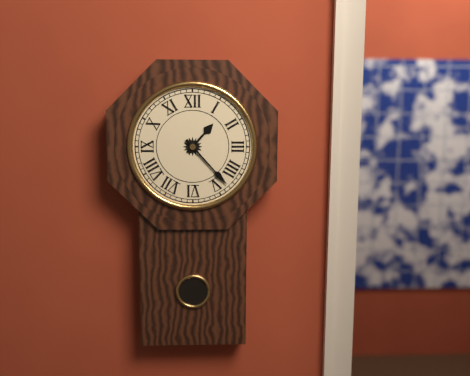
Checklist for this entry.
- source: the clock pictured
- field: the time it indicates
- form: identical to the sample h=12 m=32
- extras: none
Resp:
h=1 m=23
